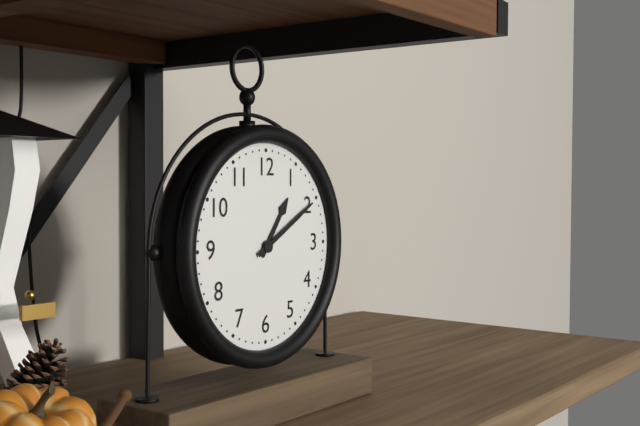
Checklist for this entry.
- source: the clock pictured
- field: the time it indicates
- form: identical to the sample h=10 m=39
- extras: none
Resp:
h=1 m=10
